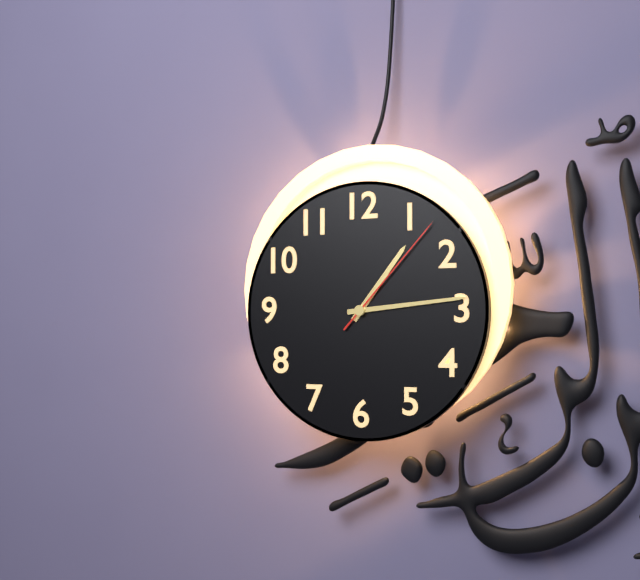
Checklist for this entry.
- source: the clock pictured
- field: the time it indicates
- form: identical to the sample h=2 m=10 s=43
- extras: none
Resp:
h=1 m=14 s=7
